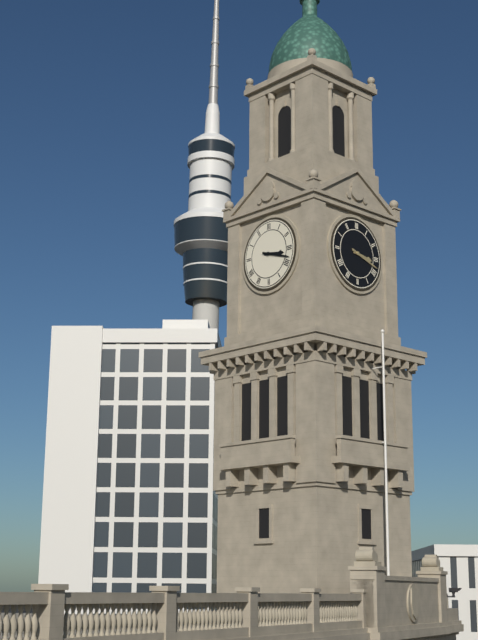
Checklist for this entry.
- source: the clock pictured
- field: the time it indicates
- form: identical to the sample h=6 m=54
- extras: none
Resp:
h=3 m=18
